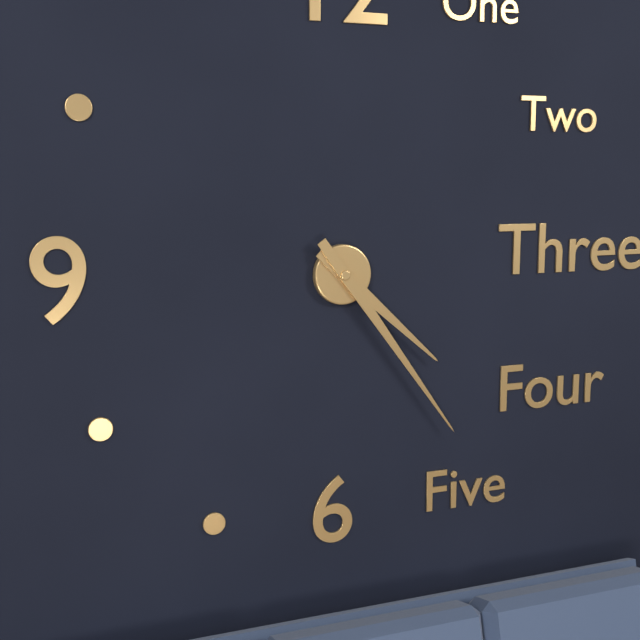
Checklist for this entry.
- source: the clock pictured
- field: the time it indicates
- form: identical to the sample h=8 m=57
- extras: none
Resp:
h=4 m=24
